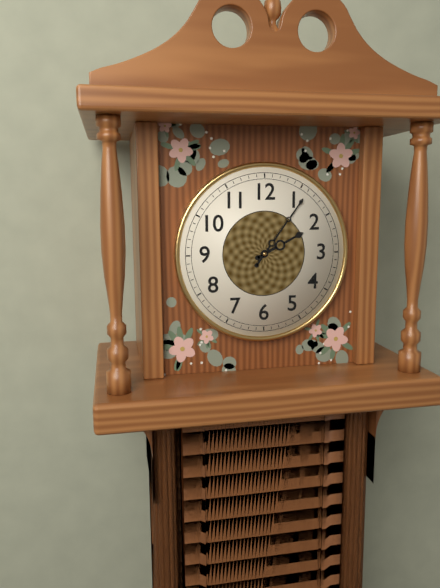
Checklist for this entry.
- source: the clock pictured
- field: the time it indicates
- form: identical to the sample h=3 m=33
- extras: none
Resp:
h=2 m=6
